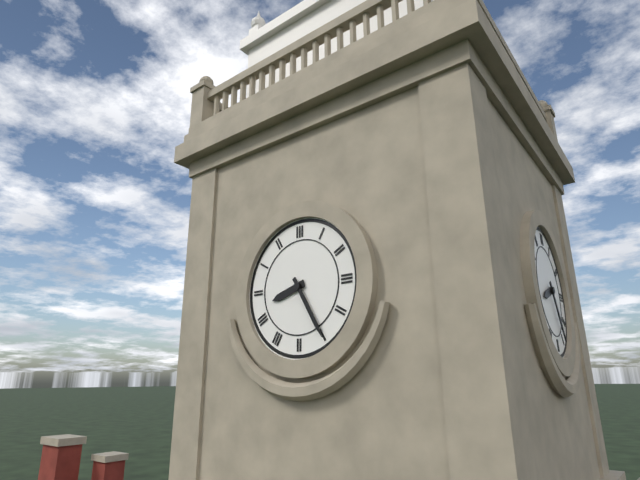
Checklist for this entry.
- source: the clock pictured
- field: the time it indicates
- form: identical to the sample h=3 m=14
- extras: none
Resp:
h=8 m=25
